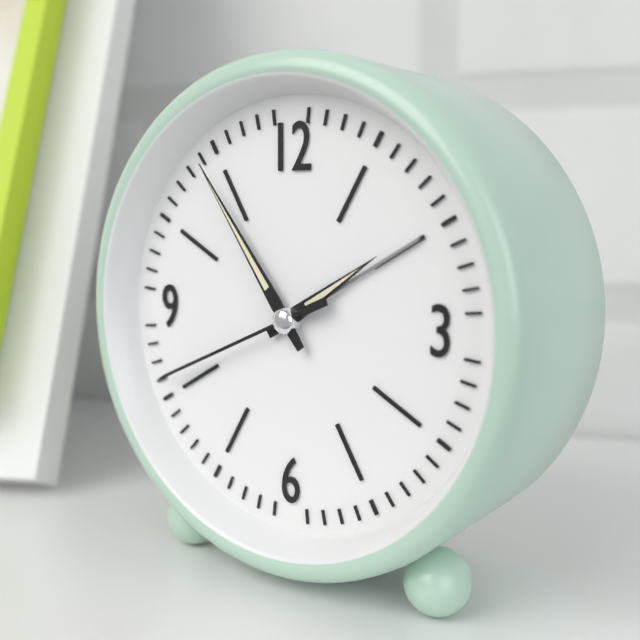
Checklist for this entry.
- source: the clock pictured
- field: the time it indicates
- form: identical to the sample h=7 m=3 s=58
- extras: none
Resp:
h=1 m=54 s=41
